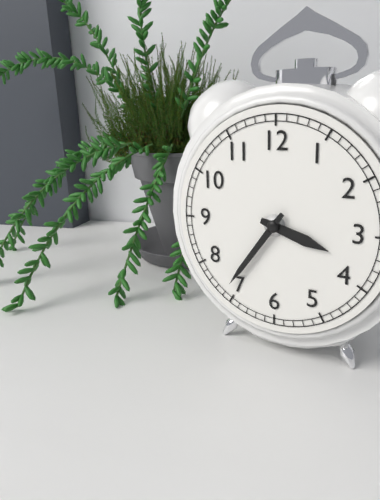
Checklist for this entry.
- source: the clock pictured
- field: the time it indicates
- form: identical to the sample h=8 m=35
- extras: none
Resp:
h=3 m=36
